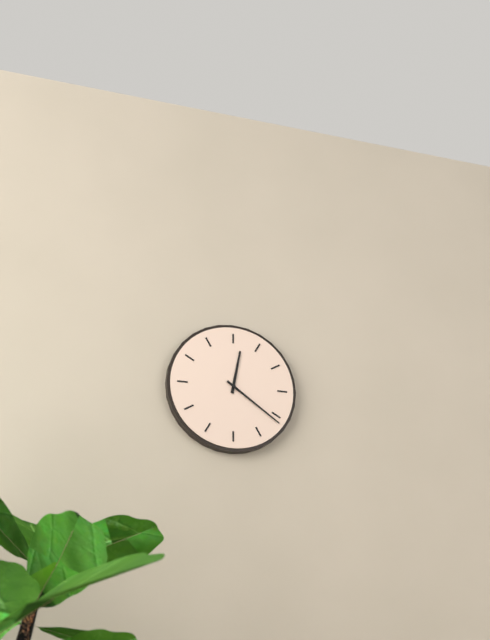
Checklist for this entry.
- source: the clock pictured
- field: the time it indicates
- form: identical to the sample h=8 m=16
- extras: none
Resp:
h=12 m=21
